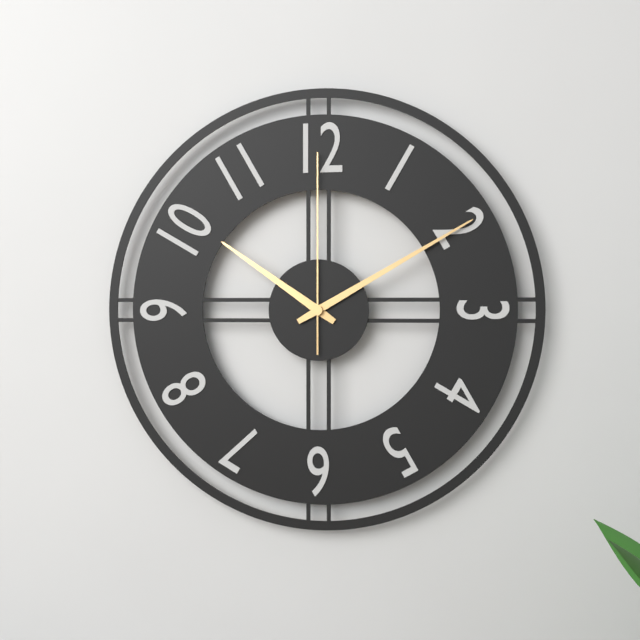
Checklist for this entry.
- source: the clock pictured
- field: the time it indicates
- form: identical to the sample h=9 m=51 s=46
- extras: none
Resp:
h=10 m=10 s=0
